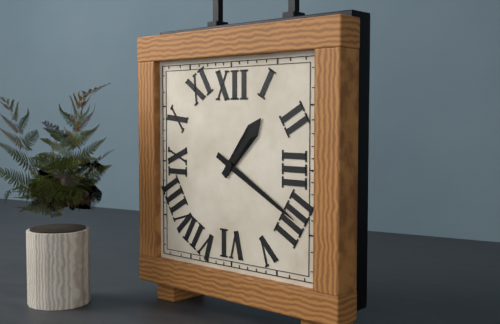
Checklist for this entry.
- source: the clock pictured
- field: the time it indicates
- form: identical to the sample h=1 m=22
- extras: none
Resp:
h=1 m=20
